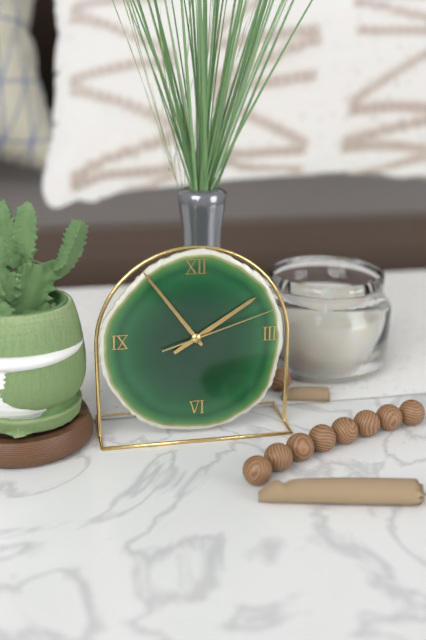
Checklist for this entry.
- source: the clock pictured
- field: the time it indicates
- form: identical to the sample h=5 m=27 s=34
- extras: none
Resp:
h=1 m=54 s=12
